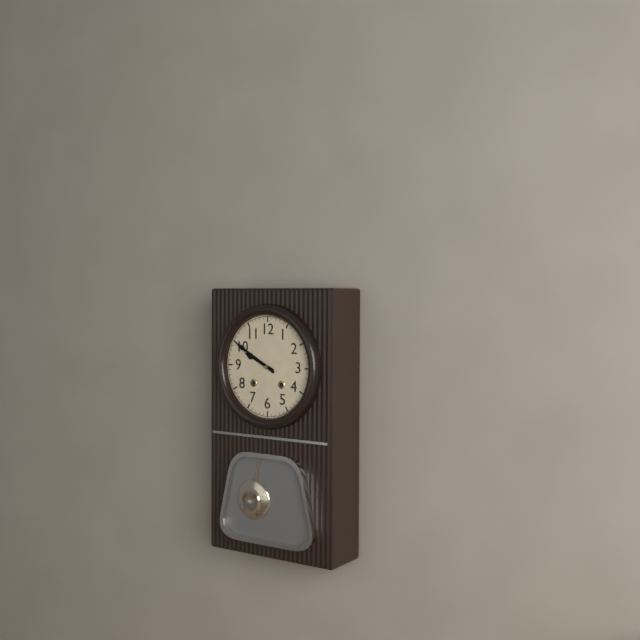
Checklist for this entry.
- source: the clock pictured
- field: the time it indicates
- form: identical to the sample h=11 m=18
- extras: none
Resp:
h=9 m=50
